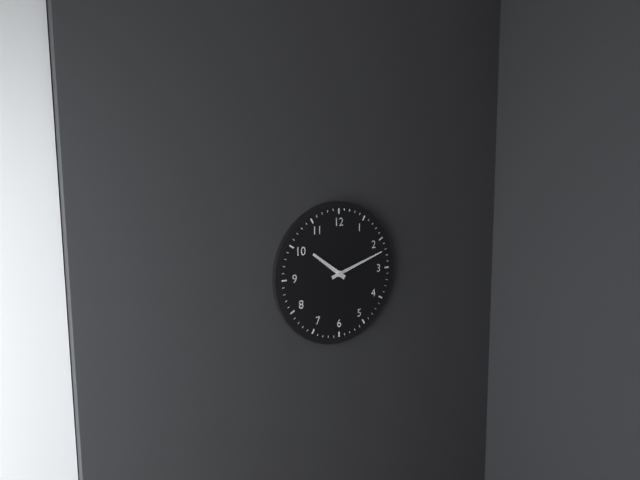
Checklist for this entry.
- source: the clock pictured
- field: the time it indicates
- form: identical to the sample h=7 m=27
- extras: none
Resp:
h=10 m=12
